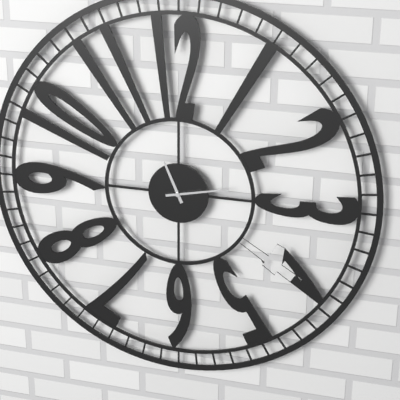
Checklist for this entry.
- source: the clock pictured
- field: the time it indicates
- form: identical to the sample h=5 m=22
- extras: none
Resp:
h=11 m=13
